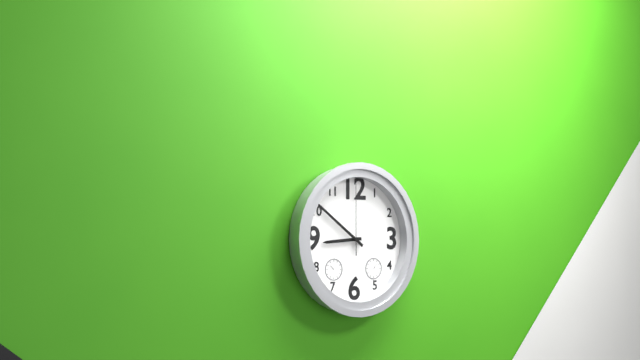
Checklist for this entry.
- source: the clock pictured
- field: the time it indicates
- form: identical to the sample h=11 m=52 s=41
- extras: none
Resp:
h=8 m=51 s=0
